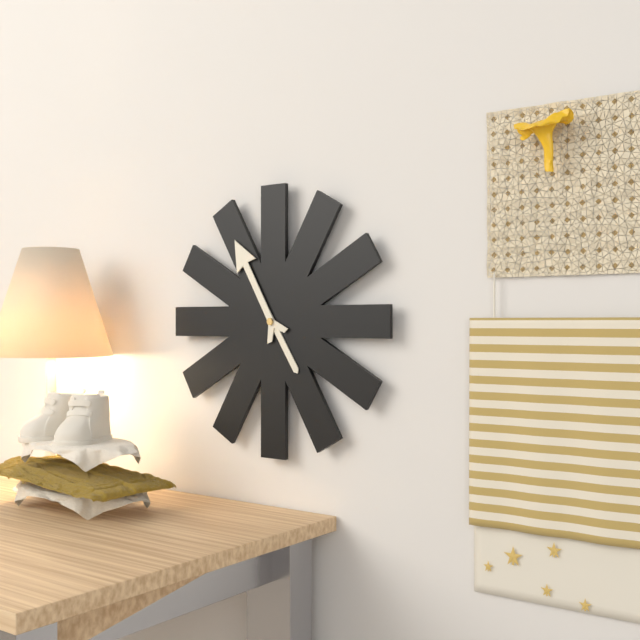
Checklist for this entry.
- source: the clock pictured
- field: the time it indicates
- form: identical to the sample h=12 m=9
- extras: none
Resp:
h=4 m=55
